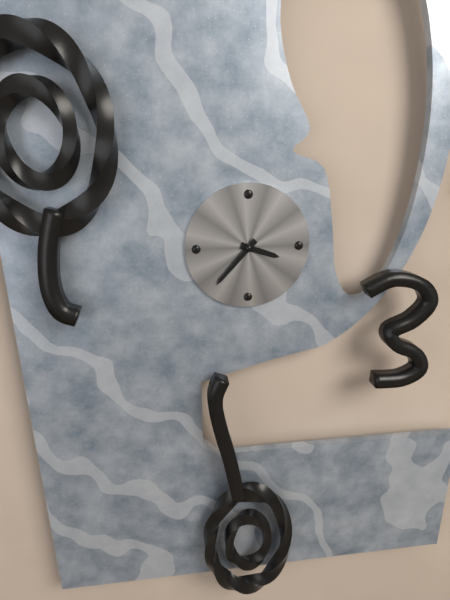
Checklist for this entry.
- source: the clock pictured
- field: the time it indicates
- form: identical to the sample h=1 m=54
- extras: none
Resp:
h=3 m=37
